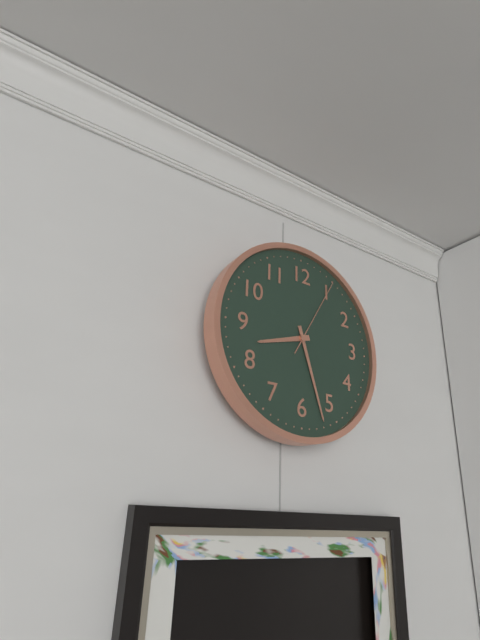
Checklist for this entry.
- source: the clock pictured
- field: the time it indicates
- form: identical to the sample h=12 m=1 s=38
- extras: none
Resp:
h=8 m=27 s=5
